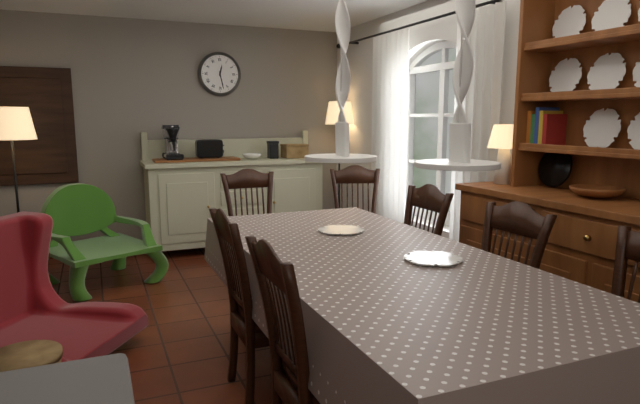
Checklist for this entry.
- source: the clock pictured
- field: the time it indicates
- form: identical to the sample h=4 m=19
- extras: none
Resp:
h=12 m=28
